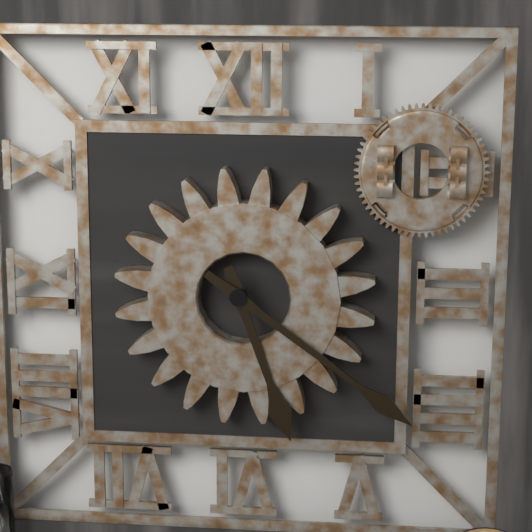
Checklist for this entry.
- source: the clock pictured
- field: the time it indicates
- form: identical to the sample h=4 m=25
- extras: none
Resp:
h=5 m=21
